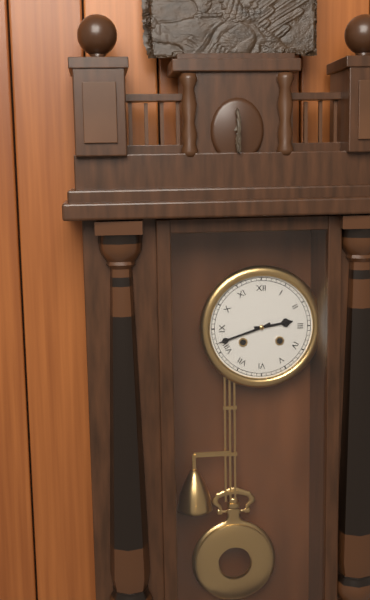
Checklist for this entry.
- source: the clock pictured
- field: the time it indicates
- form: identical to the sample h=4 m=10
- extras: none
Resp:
h=2 m=42
